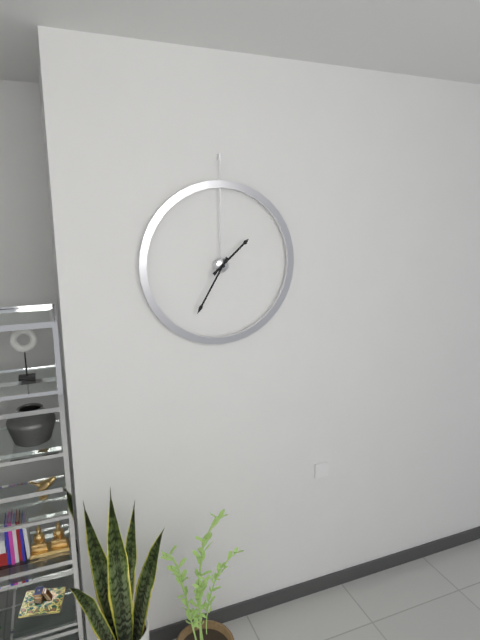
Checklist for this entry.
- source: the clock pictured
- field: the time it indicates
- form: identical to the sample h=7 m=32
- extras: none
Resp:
h=1 m=35
